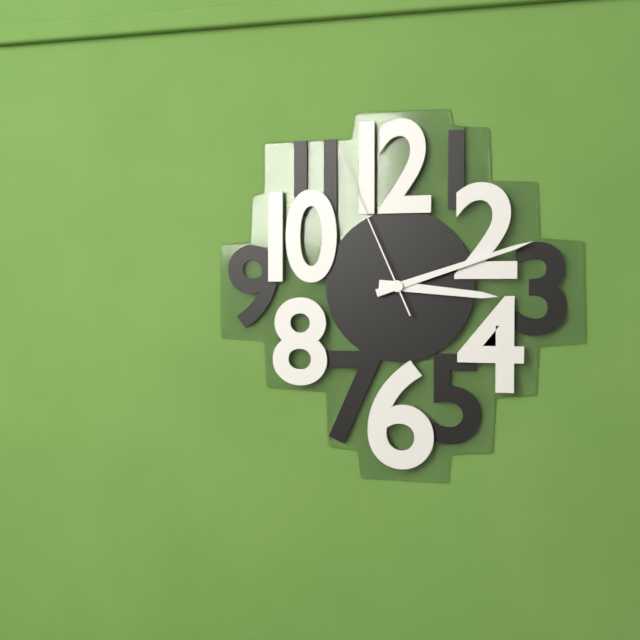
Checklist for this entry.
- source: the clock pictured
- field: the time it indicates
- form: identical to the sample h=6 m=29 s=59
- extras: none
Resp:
h=3 m=12 s=56
